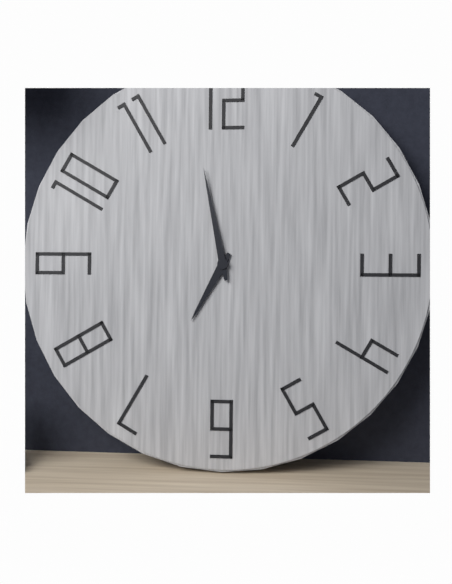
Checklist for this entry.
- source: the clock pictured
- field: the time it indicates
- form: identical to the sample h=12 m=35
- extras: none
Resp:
h=6 m=58
